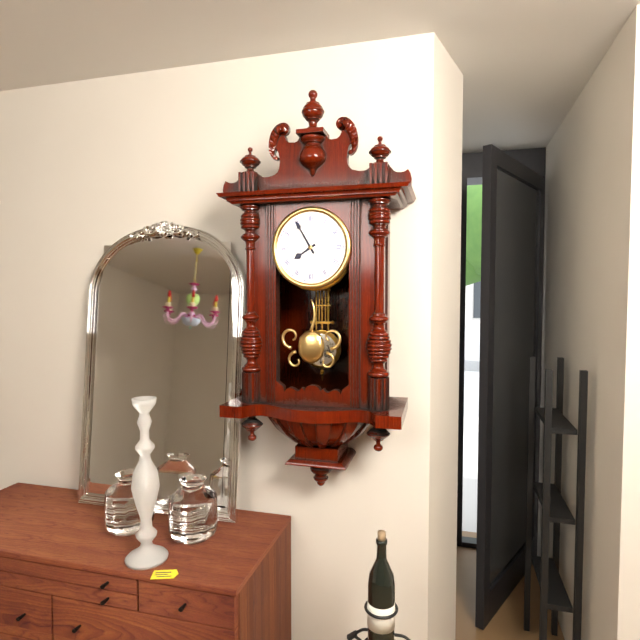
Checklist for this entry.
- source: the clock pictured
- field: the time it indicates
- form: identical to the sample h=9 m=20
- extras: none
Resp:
h=7 m=55
